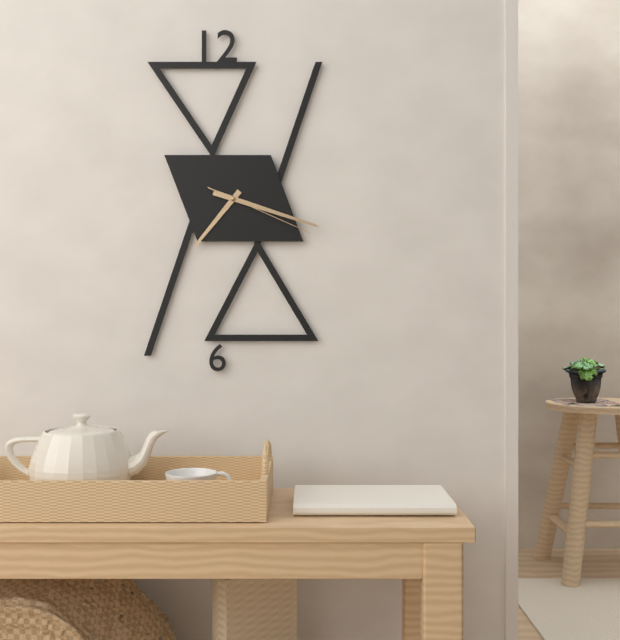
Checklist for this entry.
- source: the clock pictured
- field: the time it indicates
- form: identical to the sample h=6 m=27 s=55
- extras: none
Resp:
h=7 m=18 s=19
